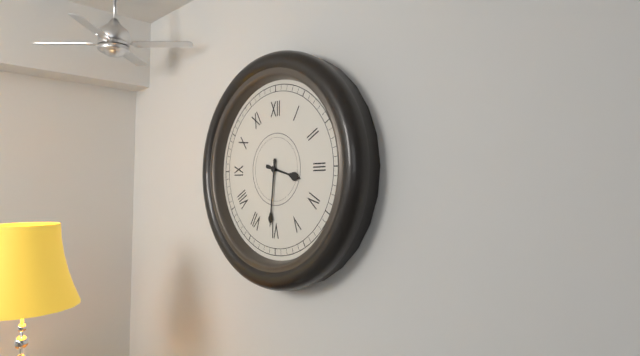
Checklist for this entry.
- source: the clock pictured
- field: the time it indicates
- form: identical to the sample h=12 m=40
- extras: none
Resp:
h=3 m=31
